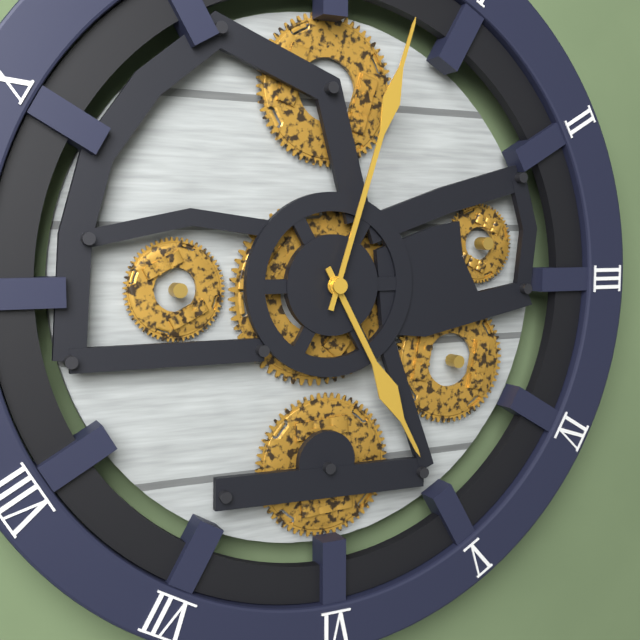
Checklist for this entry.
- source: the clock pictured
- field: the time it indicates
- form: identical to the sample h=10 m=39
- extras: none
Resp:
h=5 m=3
